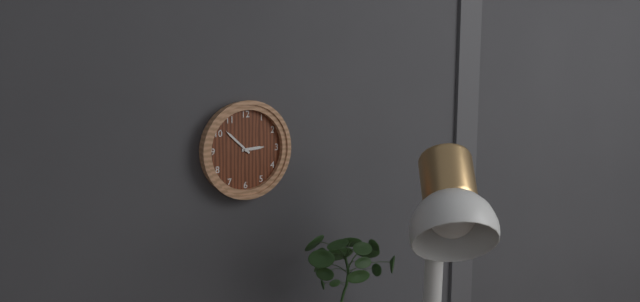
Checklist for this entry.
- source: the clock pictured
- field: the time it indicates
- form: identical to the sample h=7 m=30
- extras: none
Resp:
h=2 m=52
